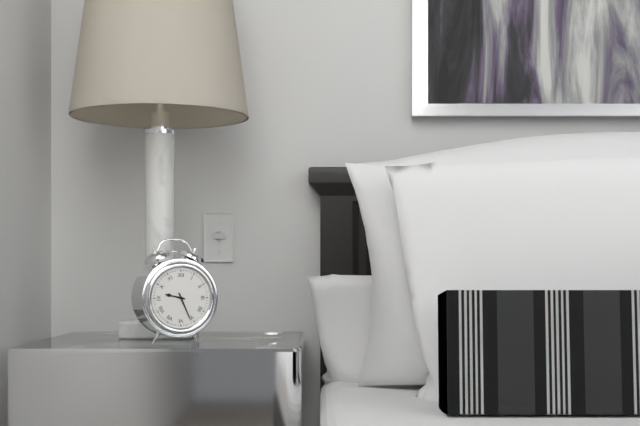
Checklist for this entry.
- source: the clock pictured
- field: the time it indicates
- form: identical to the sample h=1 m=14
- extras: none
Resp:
h=9 m=26
